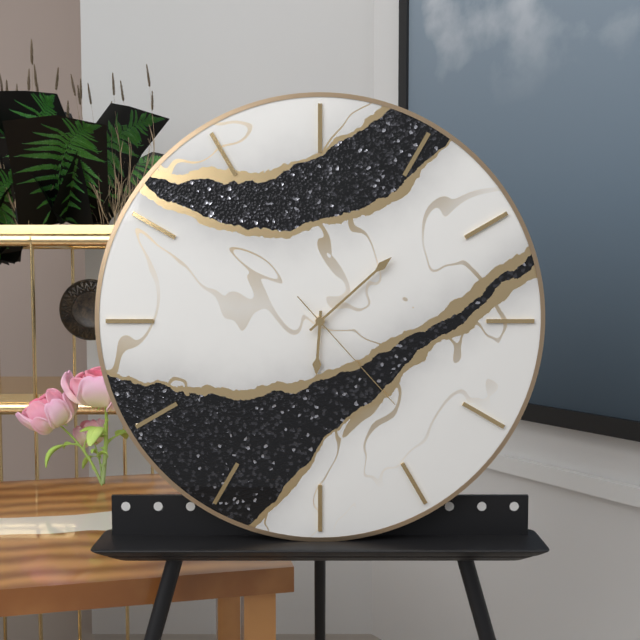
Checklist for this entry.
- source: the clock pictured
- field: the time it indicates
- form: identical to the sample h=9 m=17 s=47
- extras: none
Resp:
h=6 m=8 s=23
